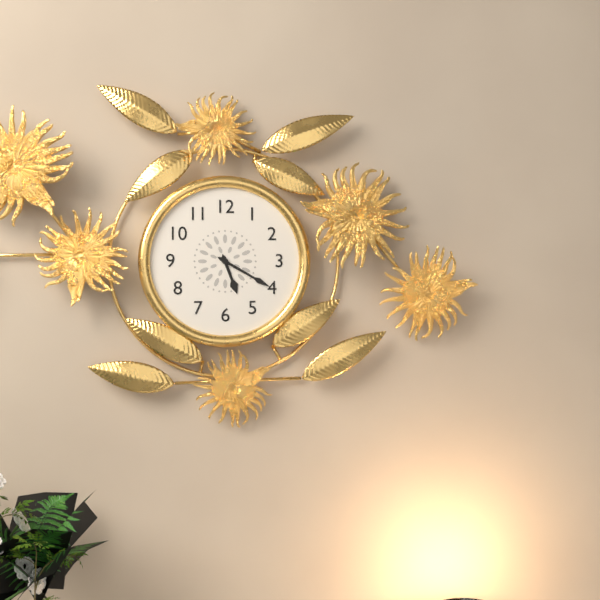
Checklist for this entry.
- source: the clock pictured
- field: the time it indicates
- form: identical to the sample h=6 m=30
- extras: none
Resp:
h=5 m=20
